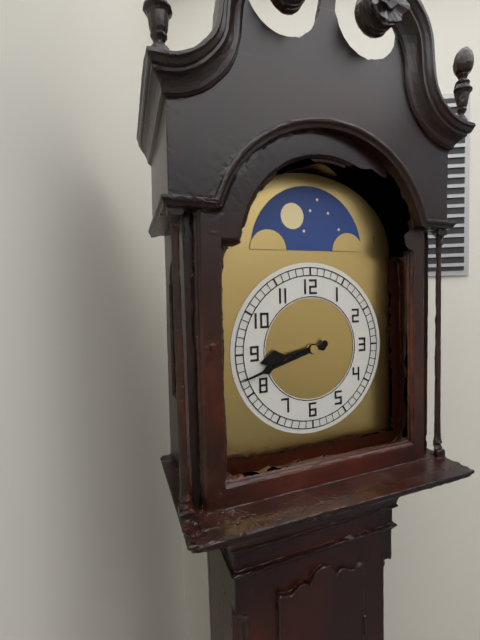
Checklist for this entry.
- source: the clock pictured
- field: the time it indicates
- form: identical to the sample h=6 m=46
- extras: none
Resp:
h=8 m=42
